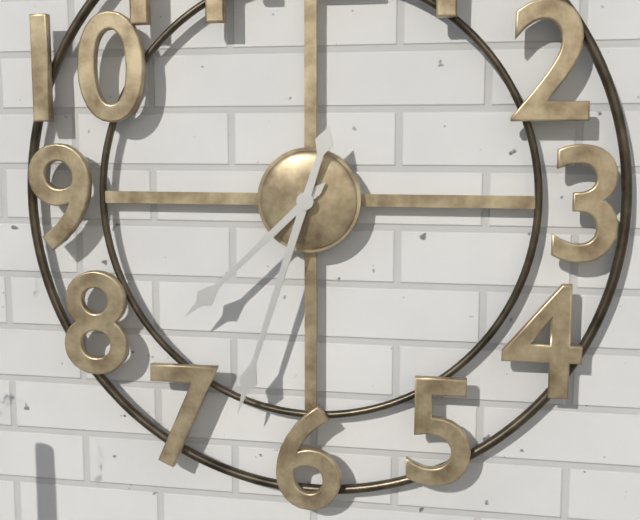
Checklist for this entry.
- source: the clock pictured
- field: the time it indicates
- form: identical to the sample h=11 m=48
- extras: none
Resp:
h=7 m=33
